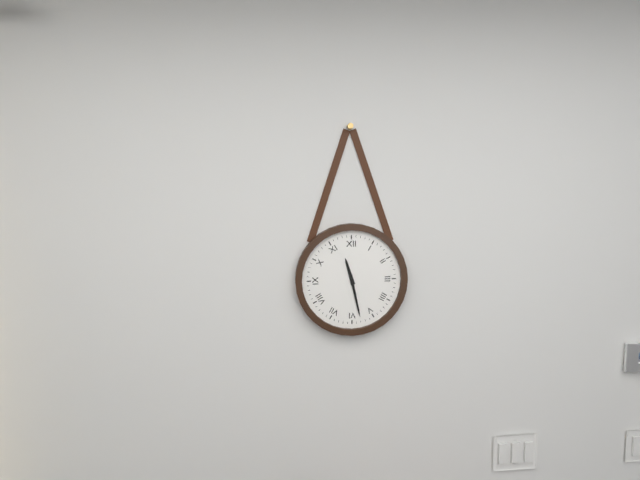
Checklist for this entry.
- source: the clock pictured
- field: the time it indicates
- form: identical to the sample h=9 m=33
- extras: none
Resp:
h=11 m=28
